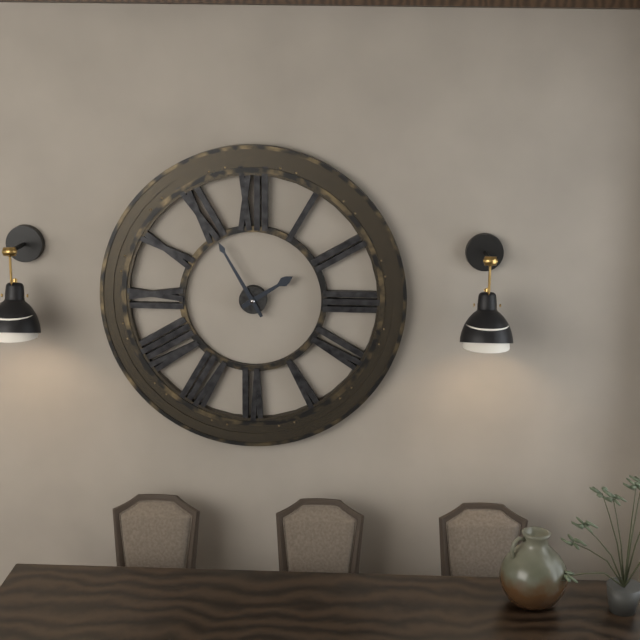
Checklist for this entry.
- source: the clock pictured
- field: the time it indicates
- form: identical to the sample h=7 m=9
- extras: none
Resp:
h=1 m=55
